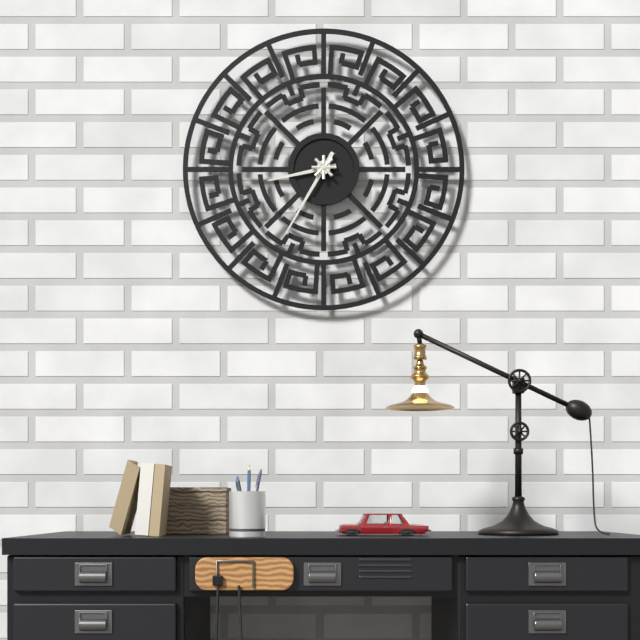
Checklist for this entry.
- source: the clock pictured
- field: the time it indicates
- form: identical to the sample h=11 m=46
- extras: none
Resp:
h=8 m=35
